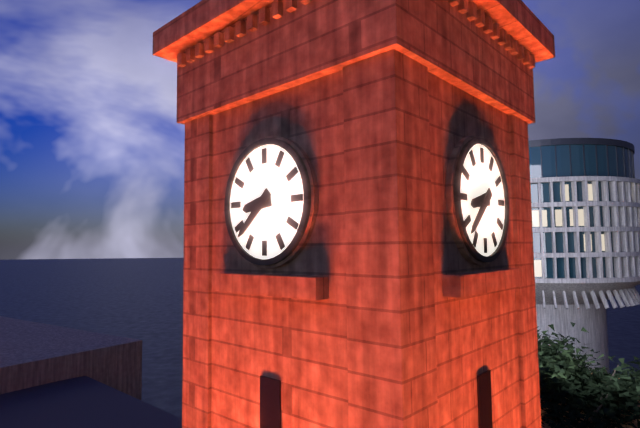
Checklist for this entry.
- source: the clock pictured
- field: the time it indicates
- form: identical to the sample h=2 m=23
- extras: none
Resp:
h=8 m=38
